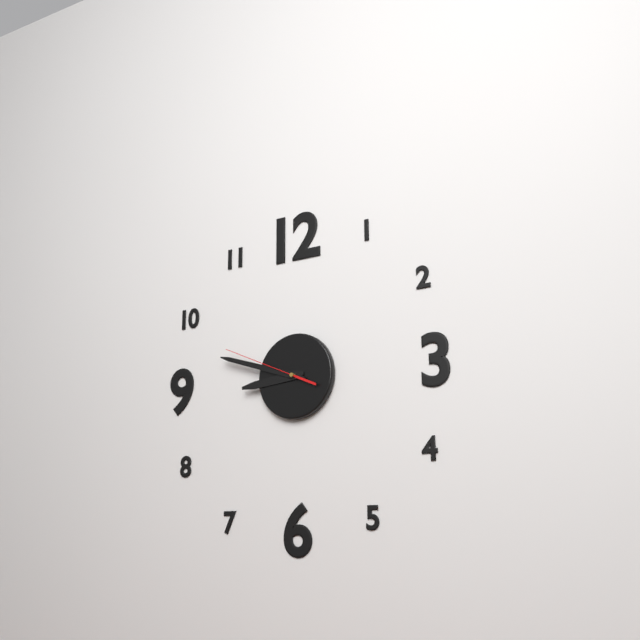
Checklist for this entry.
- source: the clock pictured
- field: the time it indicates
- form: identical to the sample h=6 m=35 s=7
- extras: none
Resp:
h=8 m=48 s=49
